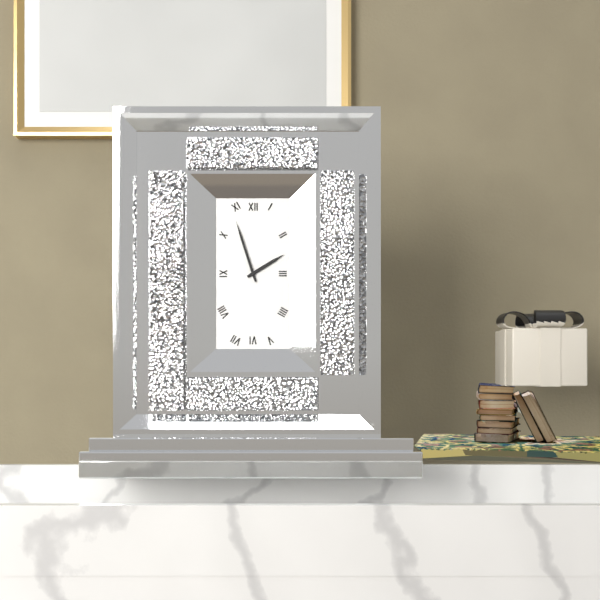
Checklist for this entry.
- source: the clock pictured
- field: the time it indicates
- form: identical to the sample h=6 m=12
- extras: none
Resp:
h=1 m=57
